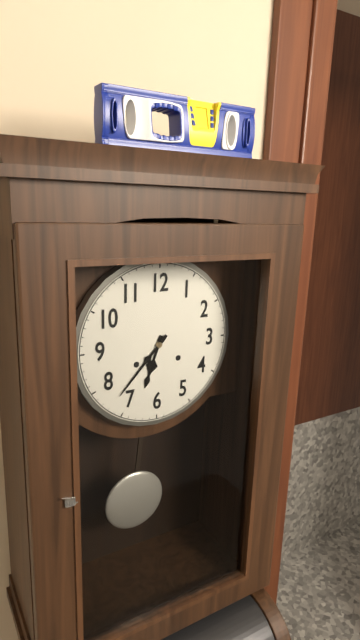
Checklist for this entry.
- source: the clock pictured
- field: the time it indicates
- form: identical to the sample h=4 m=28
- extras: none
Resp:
h=6 m=37
